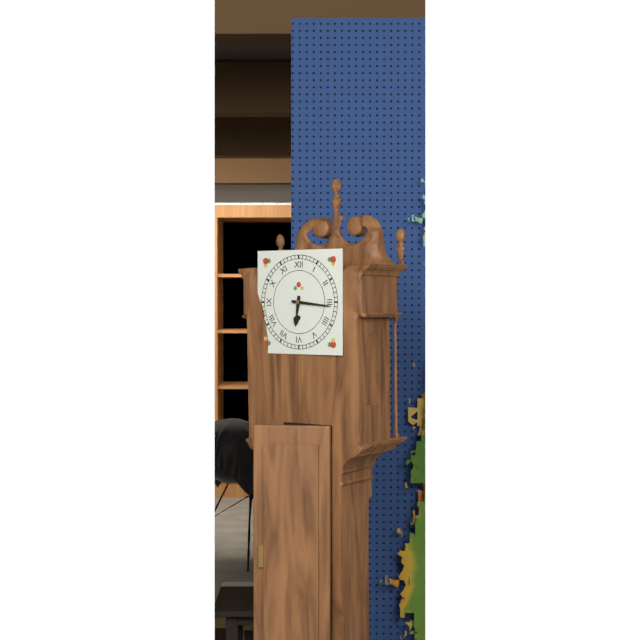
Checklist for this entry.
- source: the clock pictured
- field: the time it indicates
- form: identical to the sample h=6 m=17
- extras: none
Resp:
h=6 m=16
